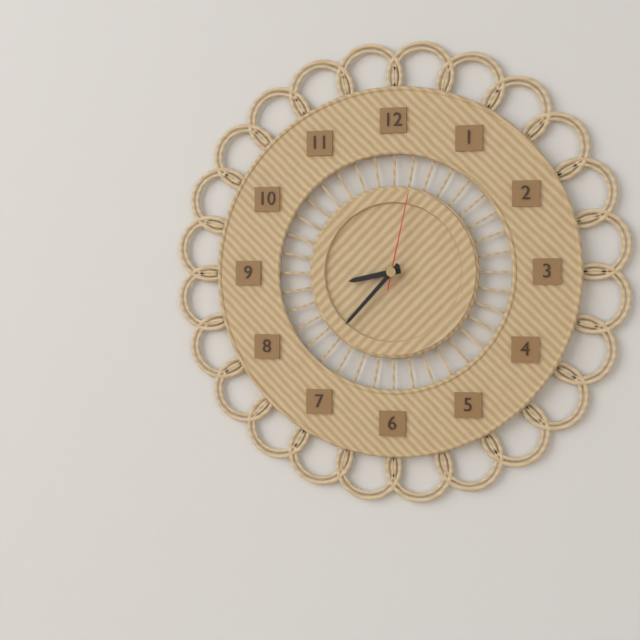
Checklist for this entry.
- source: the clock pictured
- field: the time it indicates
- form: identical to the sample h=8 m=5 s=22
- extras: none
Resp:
h=8 m=37 s=2
